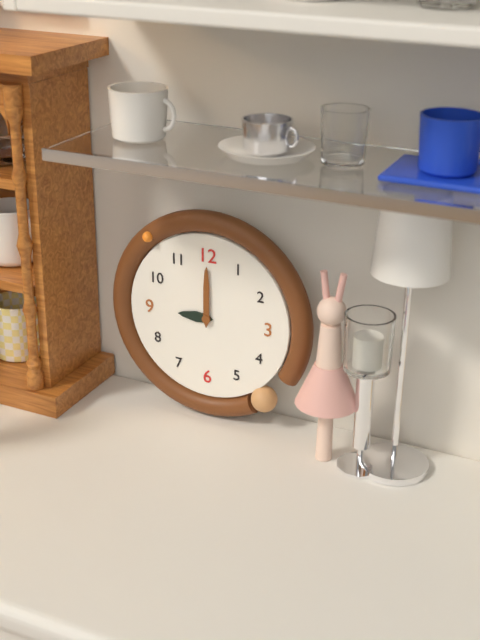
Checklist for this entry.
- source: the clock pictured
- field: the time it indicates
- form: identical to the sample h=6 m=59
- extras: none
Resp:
h=9 m=0
